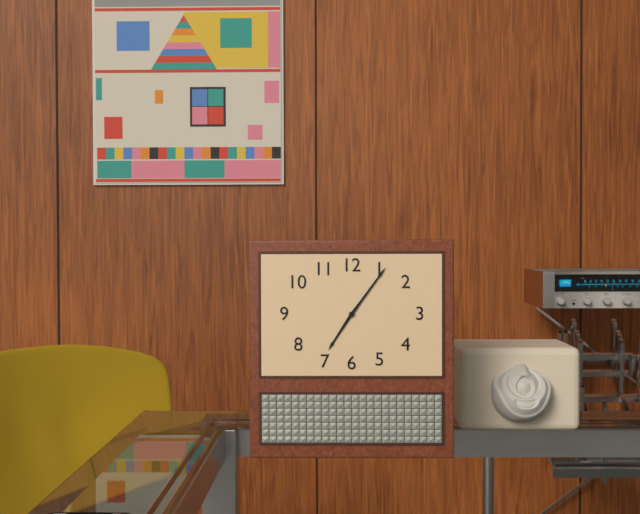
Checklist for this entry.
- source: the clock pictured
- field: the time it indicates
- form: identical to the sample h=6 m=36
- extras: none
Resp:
h=7 m=6
